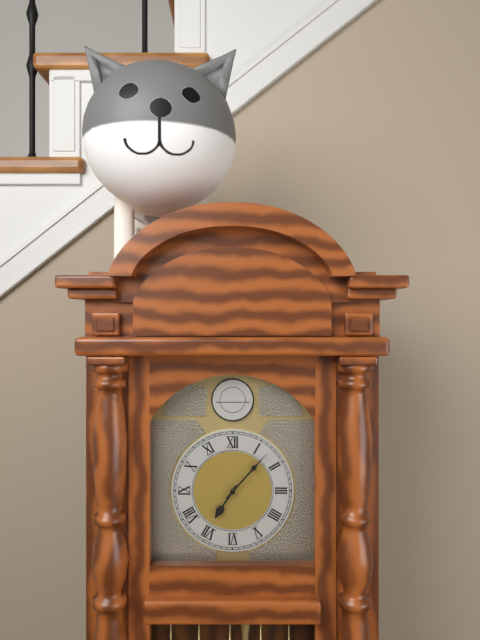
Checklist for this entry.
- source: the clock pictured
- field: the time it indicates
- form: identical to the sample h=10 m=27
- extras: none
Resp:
h=7 m=7
